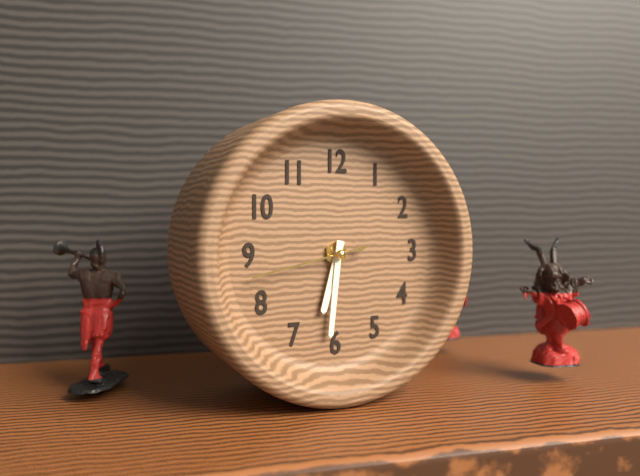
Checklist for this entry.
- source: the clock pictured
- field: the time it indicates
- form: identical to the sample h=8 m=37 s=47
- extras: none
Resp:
h=6 m=31 s=43
